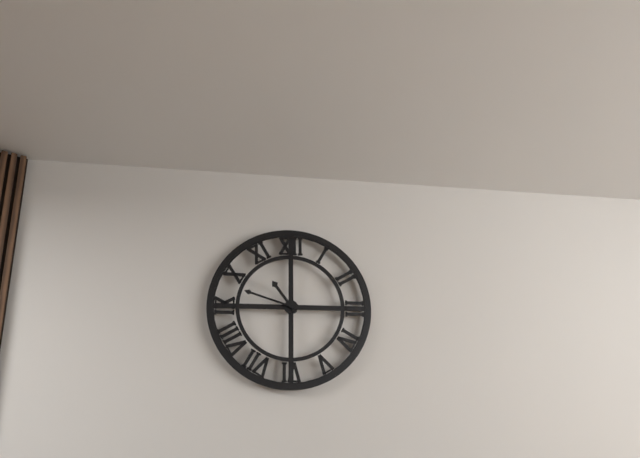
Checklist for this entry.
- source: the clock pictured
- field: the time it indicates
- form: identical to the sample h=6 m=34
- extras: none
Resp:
h=10 m=48
